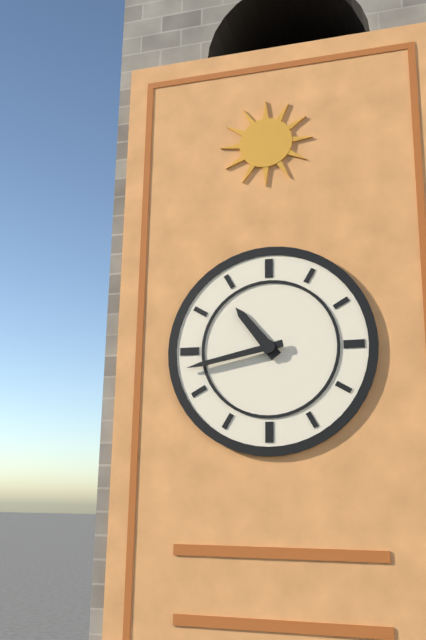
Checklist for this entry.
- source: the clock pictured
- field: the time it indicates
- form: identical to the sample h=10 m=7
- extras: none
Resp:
h=10 m=43
